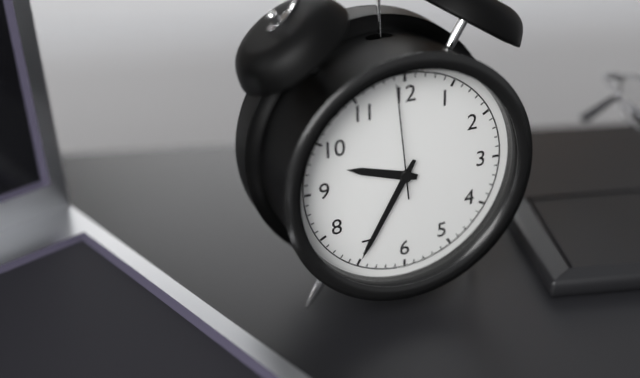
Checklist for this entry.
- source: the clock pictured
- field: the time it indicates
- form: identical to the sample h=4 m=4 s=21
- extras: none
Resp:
h=9 m=35 s=59
